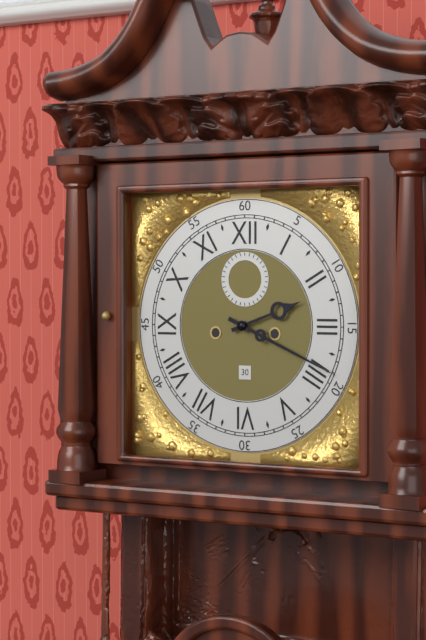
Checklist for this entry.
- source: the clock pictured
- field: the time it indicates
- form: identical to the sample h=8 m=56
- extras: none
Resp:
h=2 m=19
